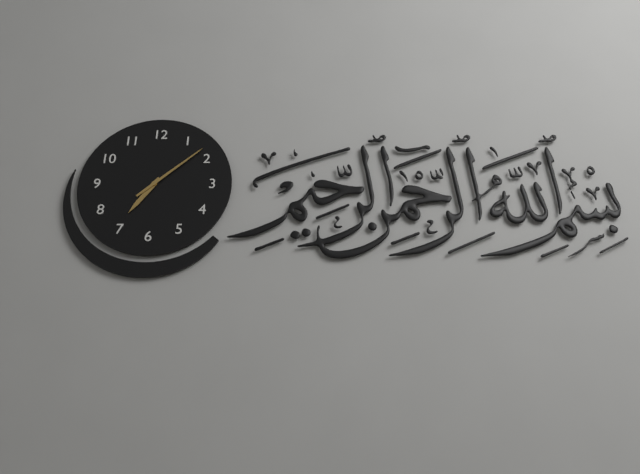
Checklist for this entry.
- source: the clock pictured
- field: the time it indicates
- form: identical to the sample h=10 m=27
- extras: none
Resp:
h=7 m=8
